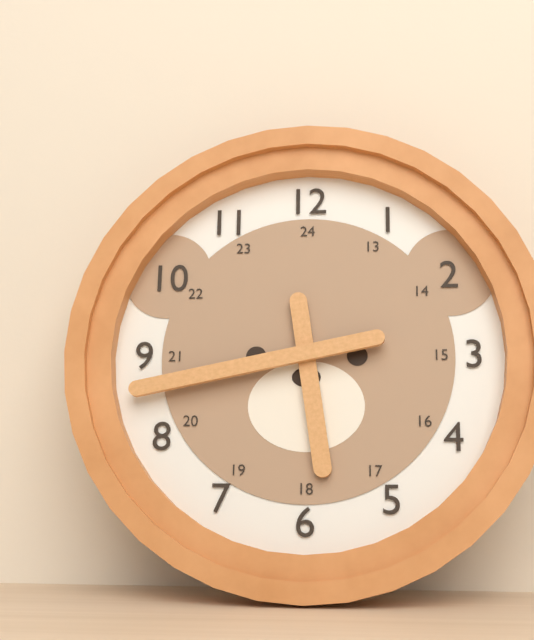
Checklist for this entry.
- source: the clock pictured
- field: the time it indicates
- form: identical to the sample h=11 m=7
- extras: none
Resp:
h=5 m=43
